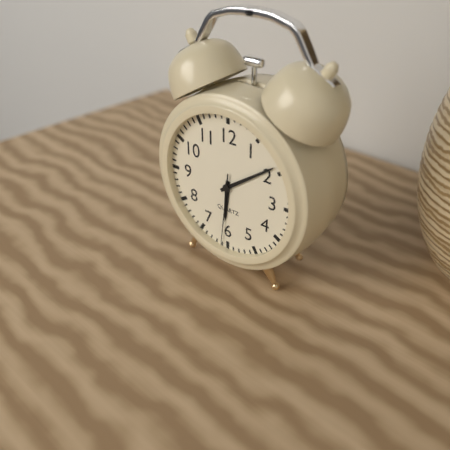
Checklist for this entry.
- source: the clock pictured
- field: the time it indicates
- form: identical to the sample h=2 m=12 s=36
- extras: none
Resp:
h=6 m=9 s=31
